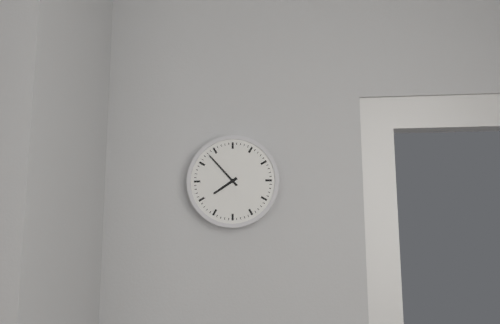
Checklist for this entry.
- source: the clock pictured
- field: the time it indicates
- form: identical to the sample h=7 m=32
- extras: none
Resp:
h=7 m=53
